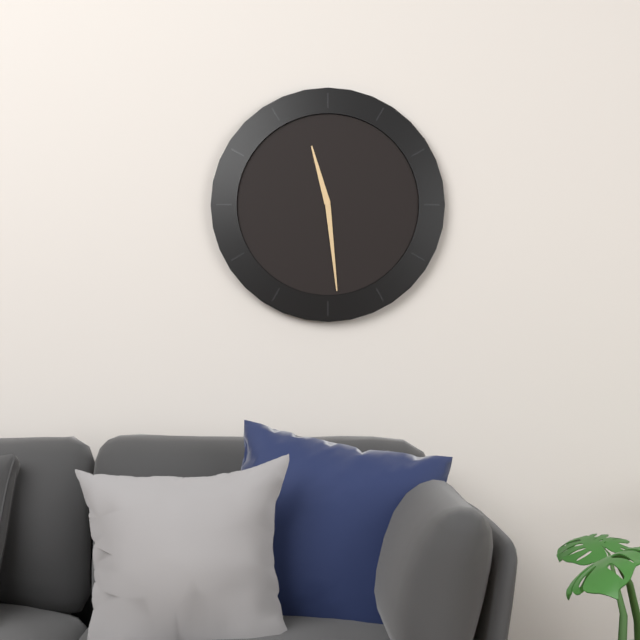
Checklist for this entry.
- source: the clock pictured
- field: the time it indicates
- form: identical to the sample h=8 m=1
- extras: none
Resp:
h=11 m=29
